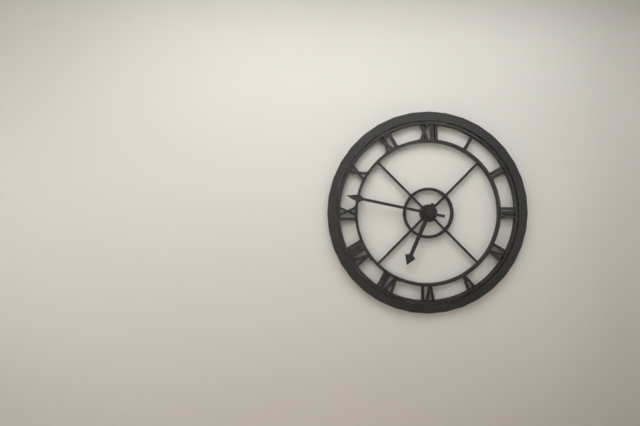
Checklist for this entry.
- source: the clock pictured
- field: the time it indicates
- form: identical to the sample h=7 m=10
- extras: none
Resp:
h=6 m=47
